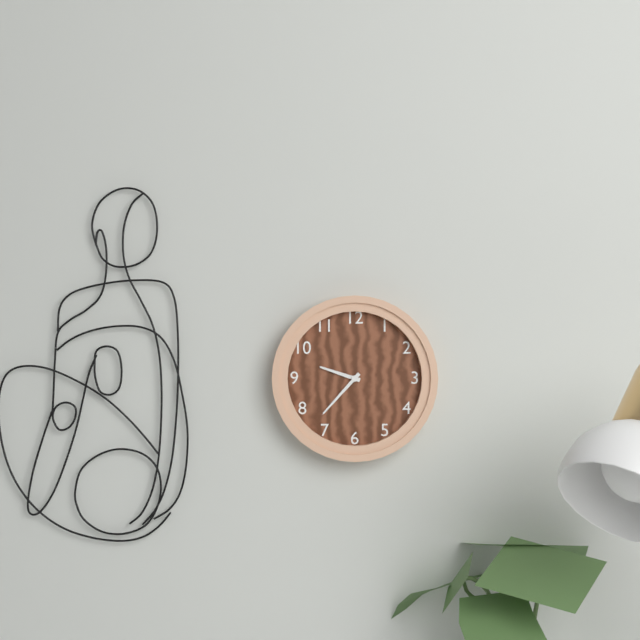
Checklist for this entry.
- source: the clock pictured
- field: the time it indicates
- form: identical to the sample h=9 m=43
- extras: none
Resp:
h=9 m=37
